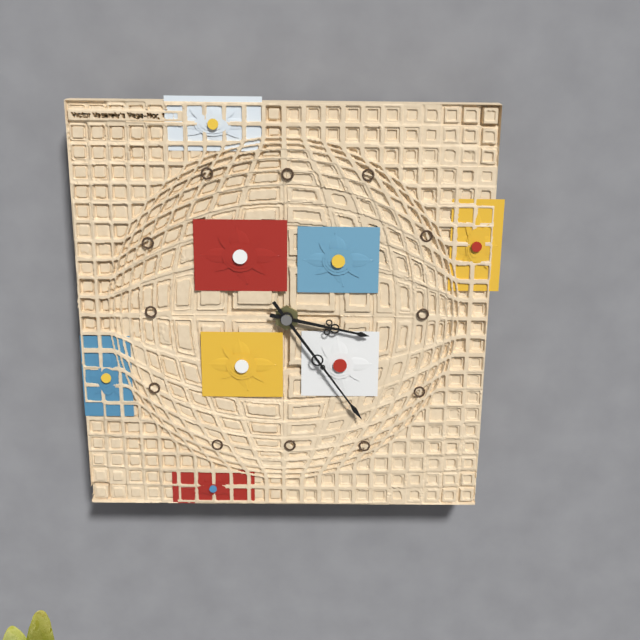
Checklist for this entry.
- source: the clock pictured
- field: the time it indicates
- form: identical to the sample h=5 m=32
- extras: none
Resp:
h=3 m=24
